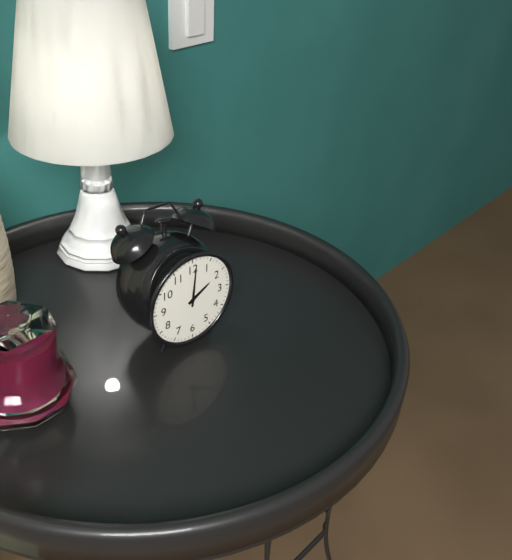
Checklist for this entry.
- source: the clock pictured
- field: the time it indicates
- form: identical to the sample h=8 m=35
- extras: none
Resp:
h=2 m=1
